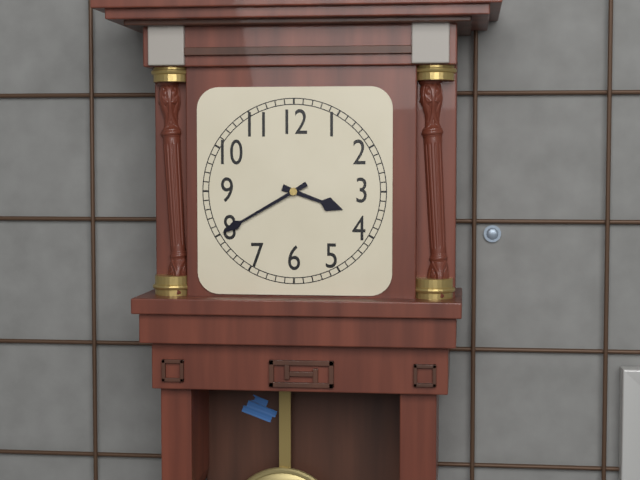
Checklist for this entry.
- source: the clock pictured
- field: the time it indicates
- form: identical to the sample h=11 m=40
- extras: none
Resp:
h=3 m=40
